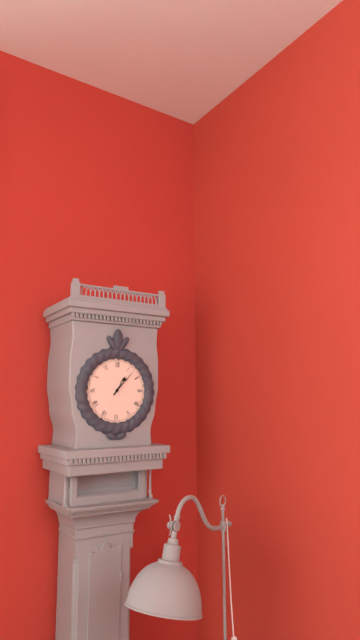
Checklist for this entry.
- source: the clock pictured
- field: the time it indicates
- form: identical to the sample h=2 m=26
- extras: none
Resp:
h=1 m=7
